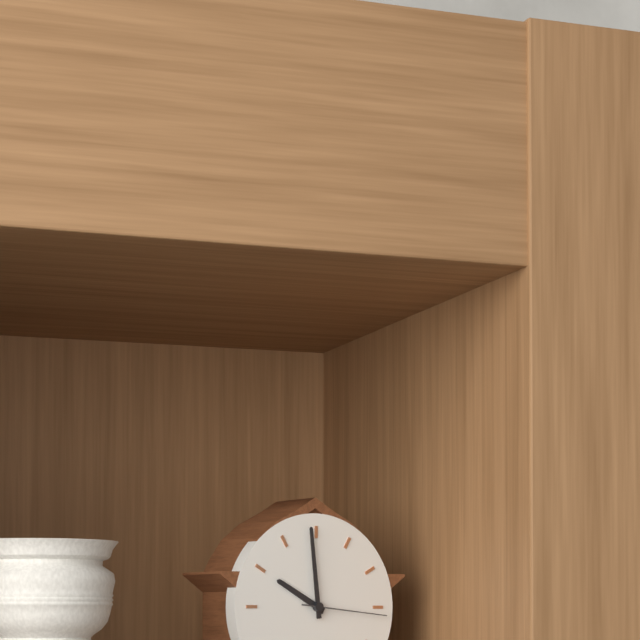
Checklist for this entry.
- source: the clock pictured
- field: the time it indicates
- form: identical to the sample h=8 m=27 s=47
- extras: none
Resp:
h=9 m=59 s=16
